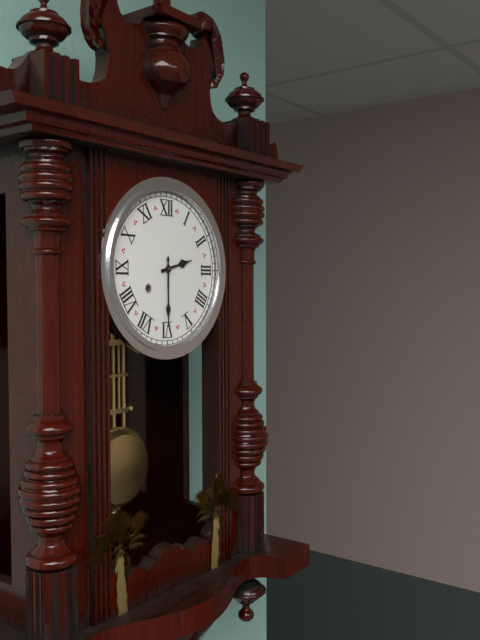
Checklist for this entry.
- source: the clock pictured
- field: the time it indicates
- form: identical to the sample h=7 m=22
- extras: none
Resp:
h=2 m=30
